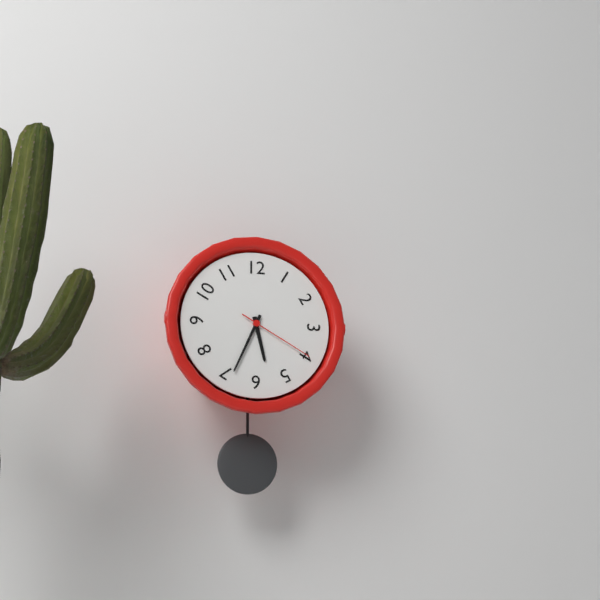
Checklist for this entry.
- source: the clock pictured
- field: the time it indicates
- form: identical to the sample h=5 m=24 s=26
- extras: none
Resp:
h=5 m=34 s=20
